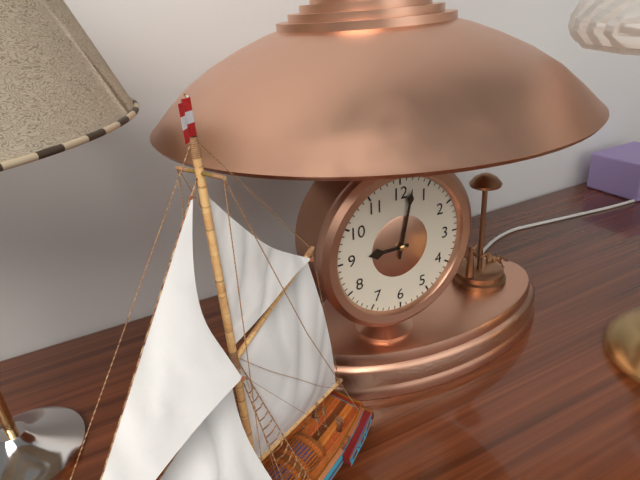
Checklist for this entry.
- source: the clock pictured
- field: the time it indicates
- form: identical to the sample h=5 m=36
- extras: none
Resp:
h=9 m=2
